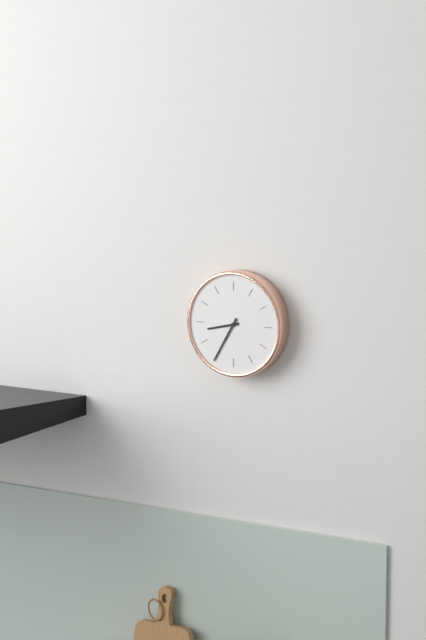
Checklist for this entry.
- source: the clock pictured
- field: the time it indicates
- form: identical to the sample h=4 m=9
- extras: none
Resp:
h=8 m=35
